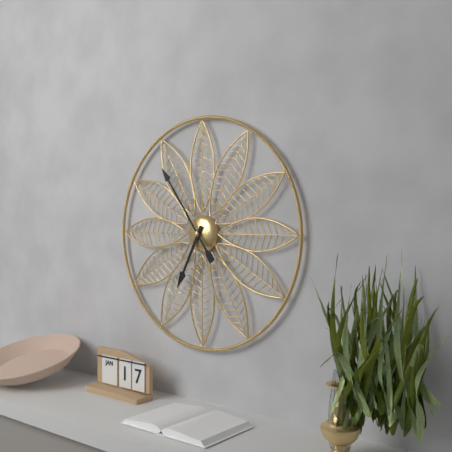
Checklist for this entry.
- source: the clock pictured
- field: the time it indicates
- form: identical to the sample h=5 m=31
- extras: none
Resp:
h=6 m=54
